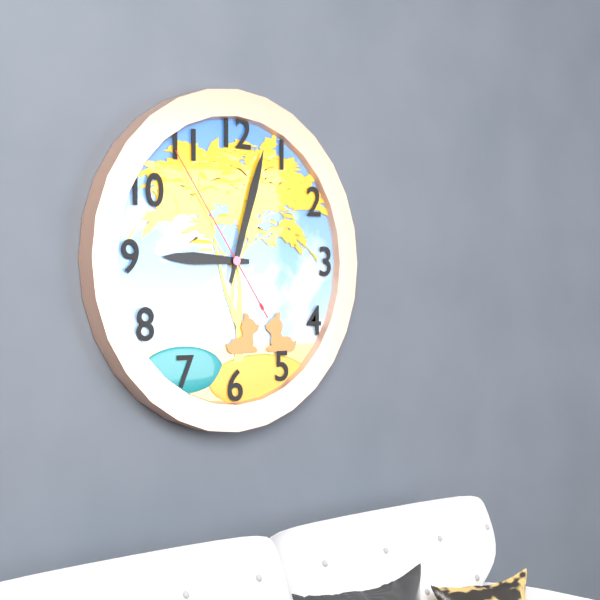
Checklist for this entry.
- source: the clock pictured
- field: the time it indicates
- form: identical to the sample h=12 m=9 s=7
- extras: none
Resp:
h=9 m=3 s=54
